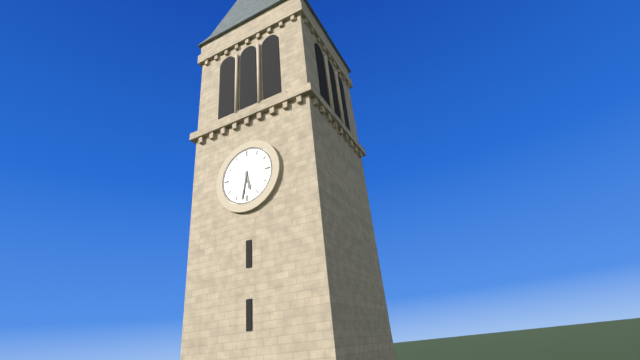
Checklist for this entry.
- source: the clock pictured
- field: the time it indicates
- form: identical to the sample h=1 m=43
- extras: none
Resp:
h=5 m=32
